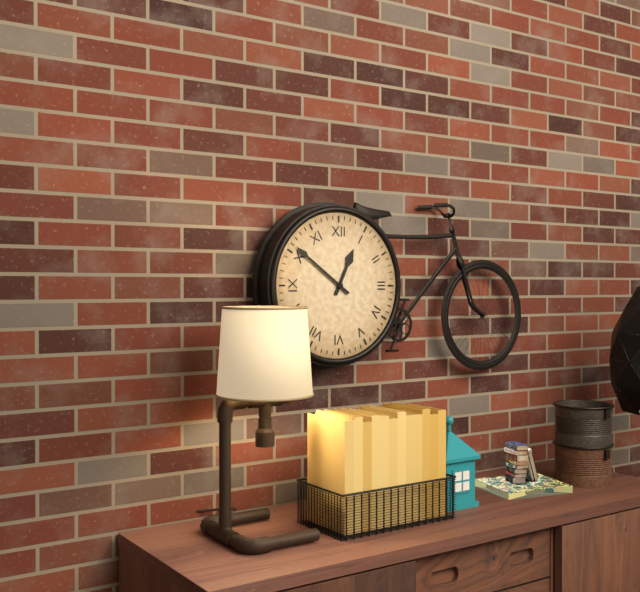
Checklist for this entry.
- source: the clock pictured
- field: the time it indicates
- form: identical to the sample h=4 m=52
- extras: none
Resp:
h=12 m=51
